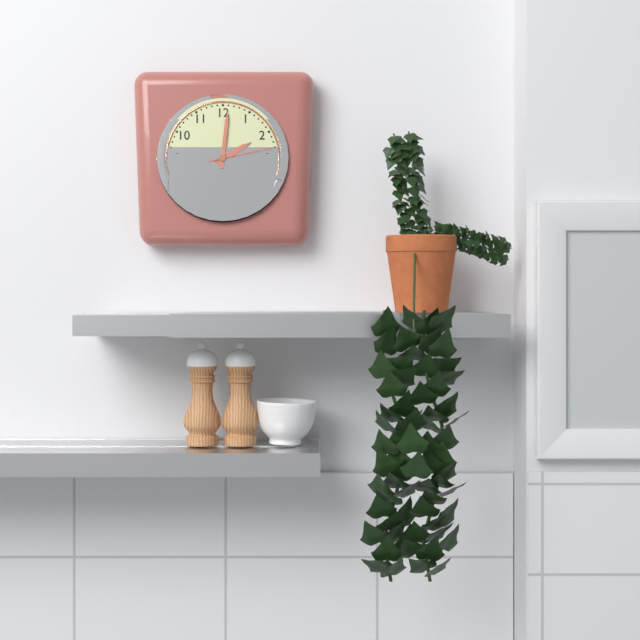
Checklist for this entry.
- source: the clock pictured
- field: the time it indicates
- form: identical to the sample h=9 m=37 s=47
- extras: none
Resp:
h=2 m=1 s=13
